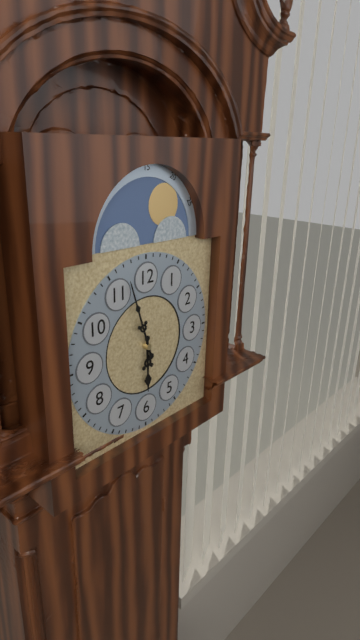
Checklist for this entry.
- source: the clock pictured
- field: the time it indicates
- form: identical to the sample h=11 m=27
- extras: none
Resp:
h=5 m=57
